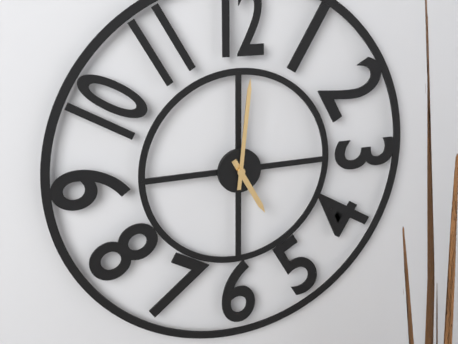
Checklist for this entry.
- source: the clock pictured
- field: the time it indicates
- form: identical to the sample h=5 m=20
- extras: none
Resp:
h=5 m=1
